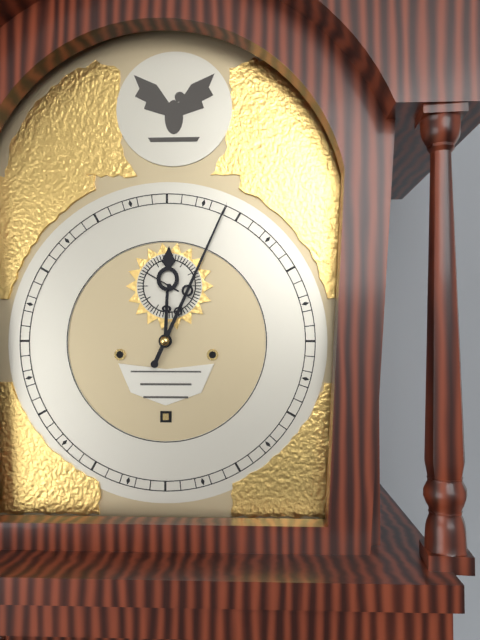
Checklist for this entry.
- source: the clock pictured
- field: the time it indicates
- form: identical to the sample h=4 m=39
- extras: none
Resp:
h=12 m=4
